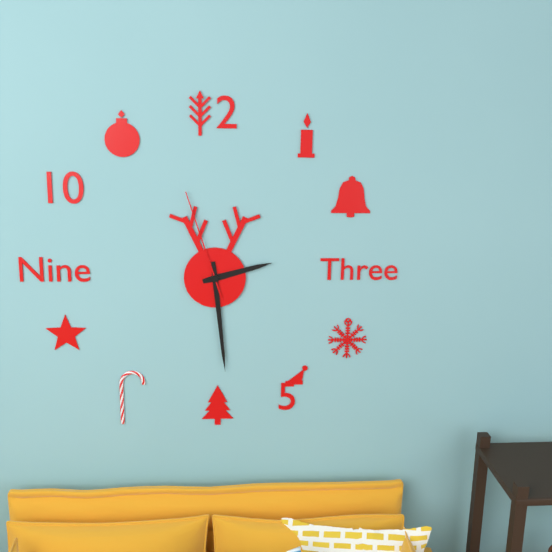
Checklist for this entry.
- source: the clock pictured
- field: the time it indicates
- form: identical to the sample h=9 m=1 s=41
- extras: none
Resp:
h=2 m=29 s=57
